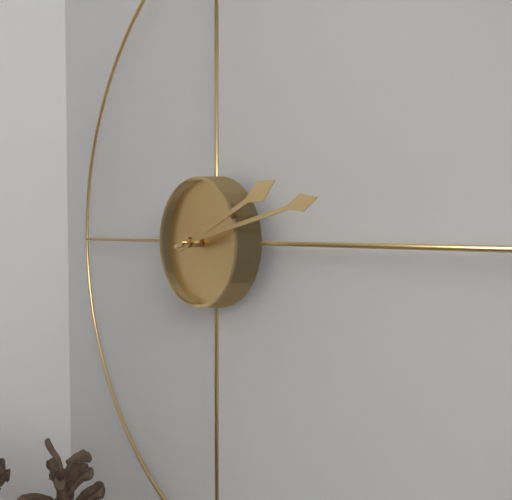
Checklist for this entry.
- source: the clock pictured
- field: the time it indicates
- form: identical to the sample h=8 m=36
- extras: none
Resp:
h=2 m=13
